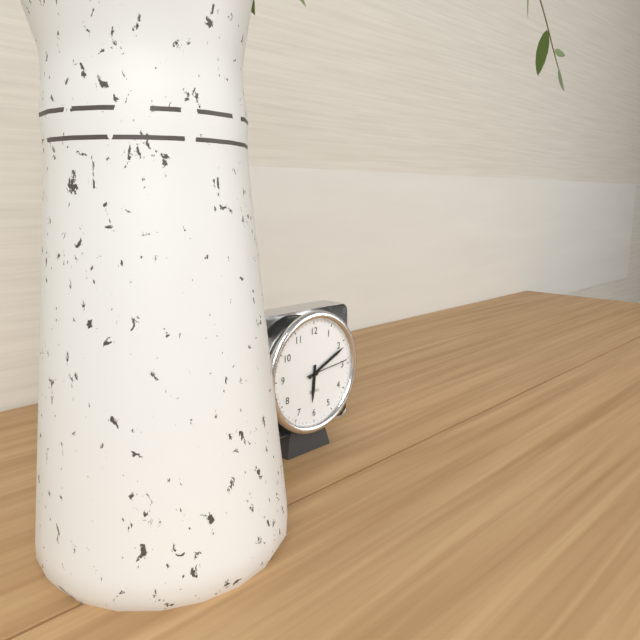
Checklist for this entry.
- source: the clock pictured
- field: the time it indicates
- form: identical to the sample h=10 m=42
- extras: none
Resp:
h=6 m=11
